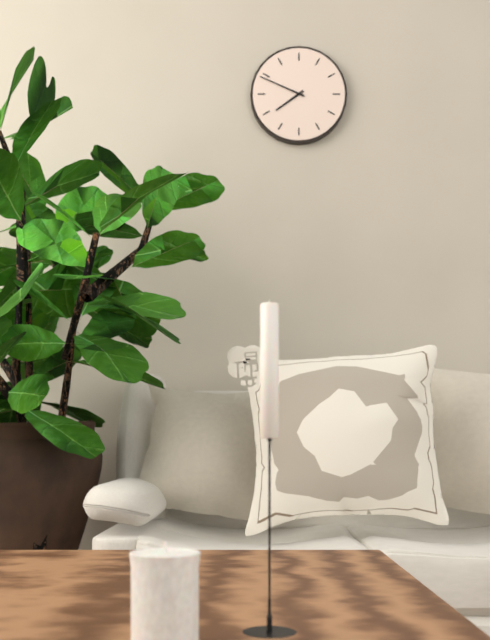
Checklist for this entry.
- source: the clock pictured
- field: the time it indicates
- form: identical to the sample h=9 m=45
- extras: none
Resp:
h=7 m=49
